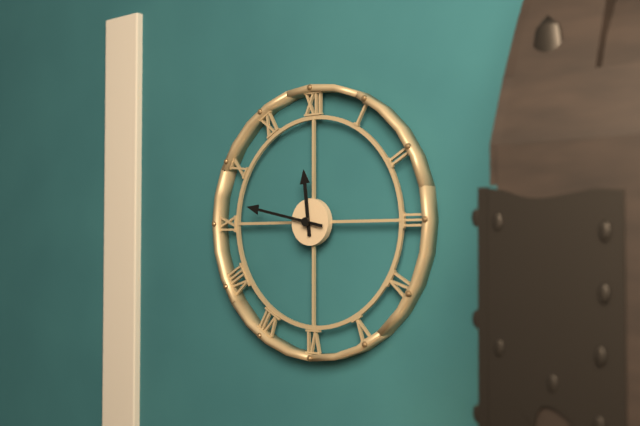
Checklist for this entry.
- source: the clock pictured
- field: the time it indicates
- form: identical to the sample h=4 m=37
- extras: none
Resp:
h=11 m=47
